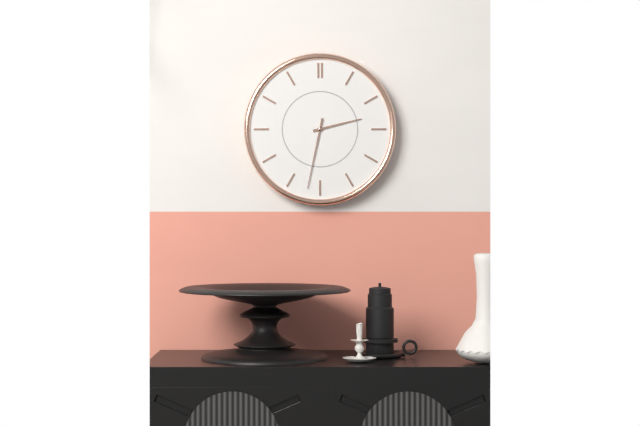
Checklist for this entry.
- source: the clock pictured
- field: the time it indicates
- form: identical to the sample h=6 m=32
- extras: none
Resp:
h=2 m=32
